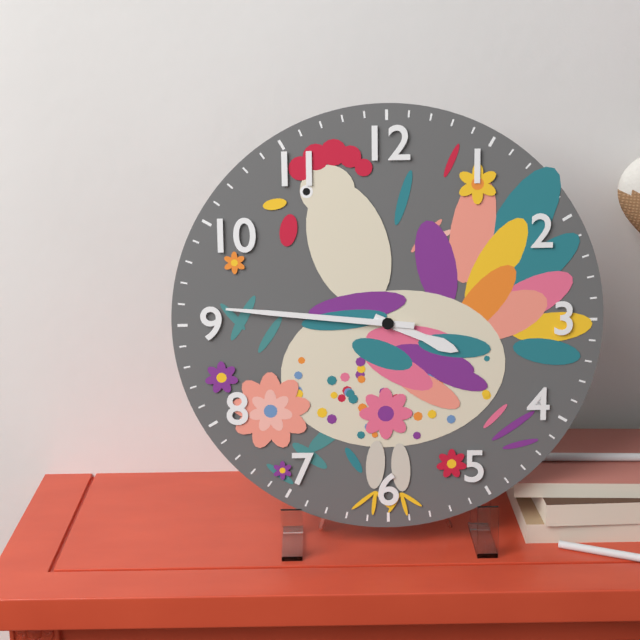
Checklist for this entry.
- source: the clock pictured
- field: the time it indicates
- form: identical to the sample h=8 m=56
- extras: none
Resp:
h=3 m=46
